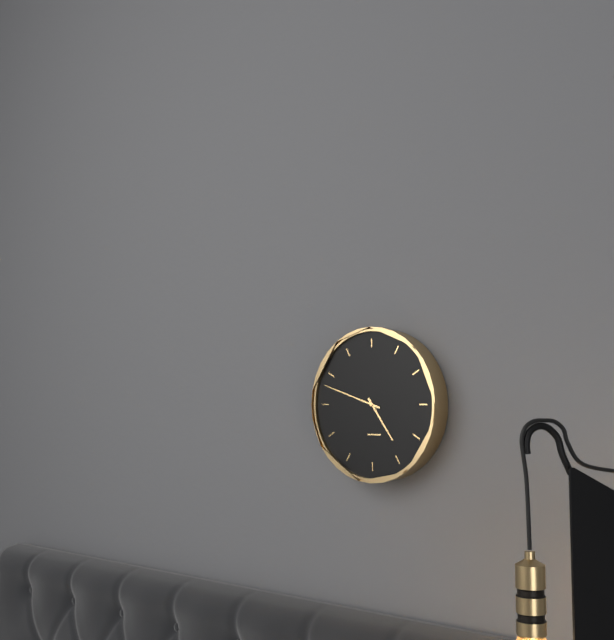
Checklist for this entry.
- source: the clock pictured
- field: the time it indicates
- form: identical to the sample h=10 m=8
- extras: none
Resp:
h=4 m=48
